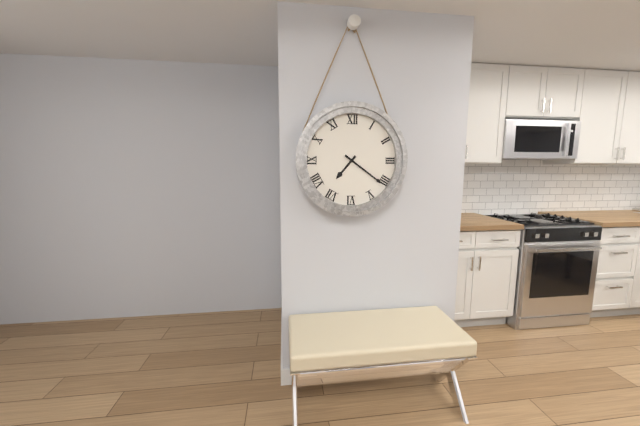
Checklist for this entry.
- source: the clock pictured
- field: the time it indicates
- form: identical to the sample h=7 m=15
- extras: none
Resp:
h=7 m=21
